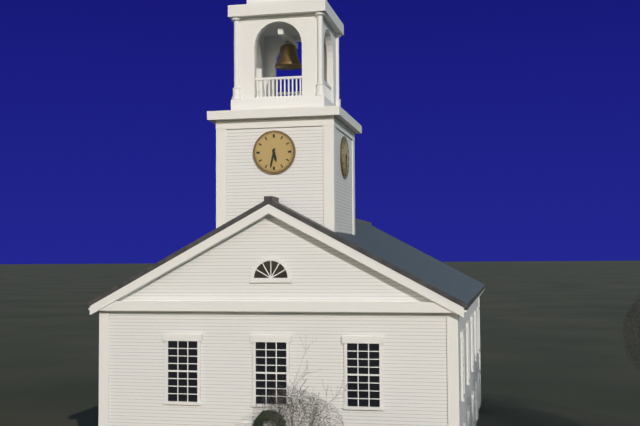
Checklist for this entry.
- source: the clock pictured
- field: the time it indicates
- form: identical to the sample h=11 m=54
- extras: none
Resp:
h=5 m=32
